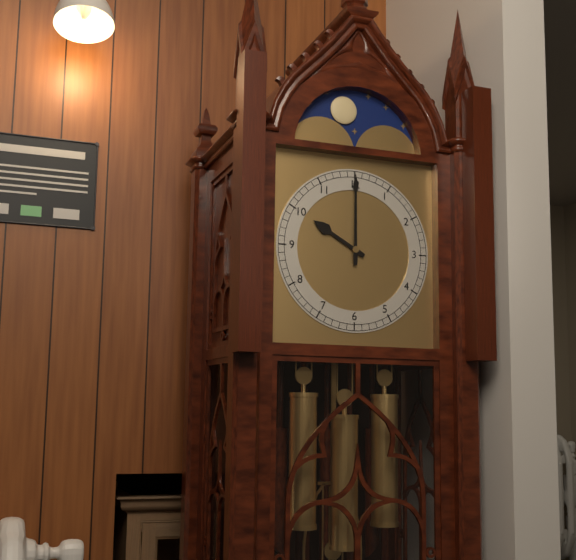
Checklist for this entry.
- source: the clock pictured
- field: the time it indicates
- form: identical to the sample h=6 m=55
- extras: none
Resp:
h=10 m=0
